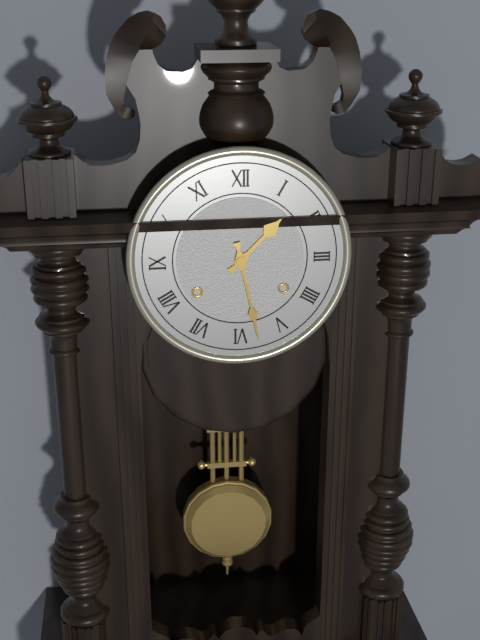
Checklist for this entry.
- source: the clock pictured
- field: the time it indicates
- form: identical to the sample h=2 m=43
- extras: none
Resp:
h=1 m=28
